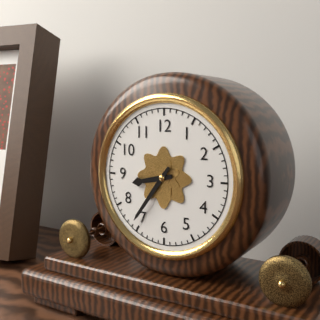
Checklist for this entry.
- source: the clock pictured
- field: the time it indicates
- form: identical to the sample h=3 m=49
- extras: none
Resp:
h=8 m=36
